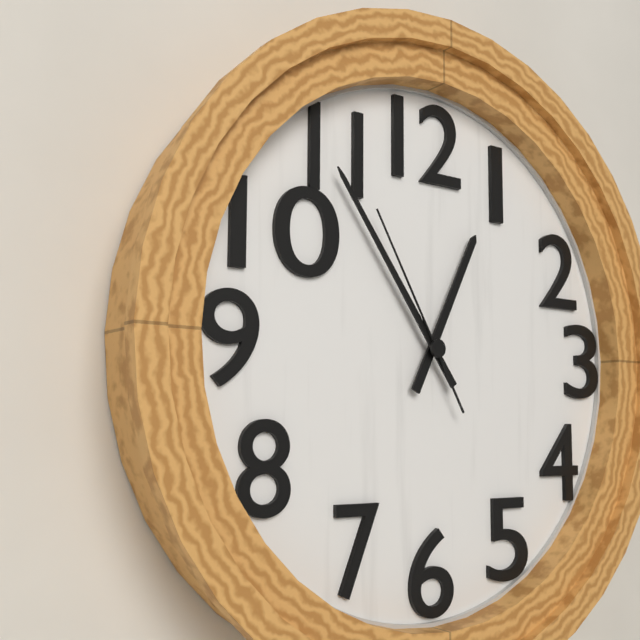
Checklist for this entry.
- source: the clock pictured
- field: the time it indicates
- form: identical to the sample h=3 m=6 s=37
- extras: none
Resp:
h=12 m=54 s=55
